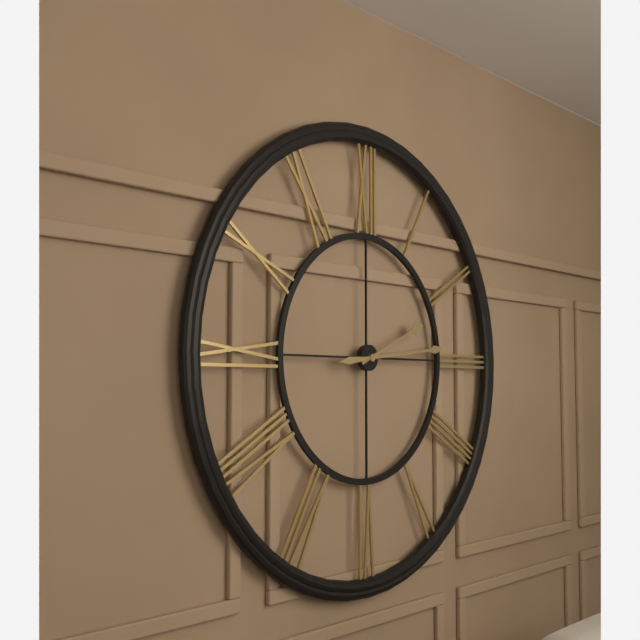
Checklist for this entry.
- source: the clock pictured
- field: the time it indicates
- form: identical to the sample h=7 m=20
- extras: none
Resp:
h=2 m=14
